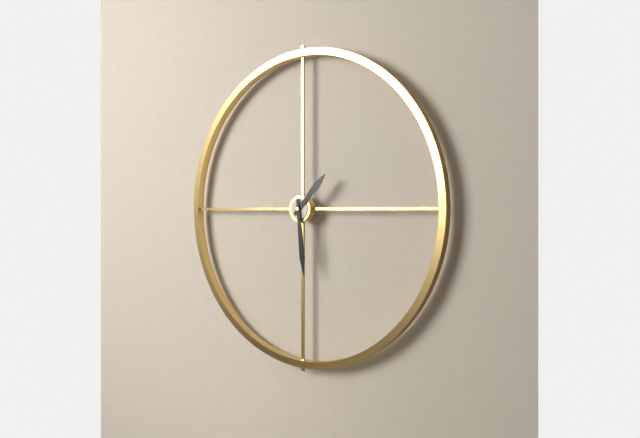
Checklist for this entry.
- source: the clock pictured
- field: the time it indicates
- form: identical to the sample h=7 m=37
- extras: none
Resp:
h=1 m=29
